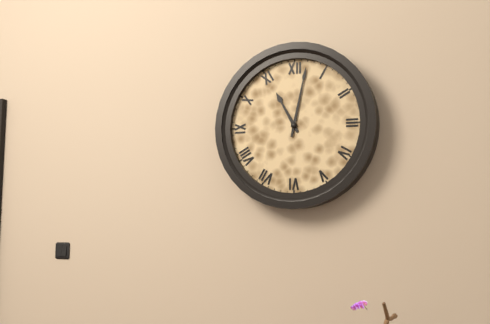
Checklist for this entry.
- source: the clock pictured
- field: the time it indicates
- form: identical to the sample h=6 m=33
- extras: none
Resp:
h=11 m=2
